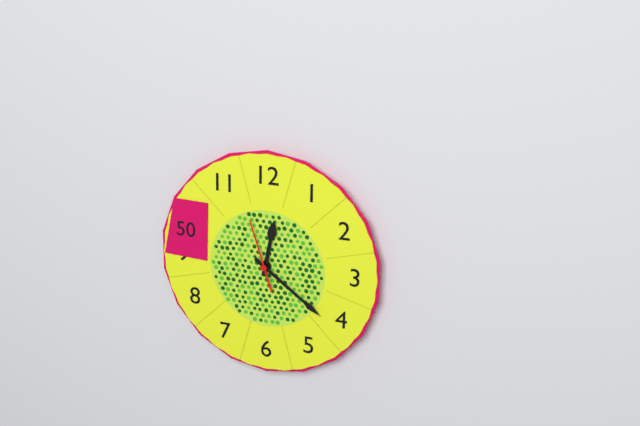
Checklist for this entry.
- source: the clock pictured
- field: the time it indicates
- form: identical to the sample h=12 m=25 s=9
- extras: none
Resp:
h=12 m=21 s=57
